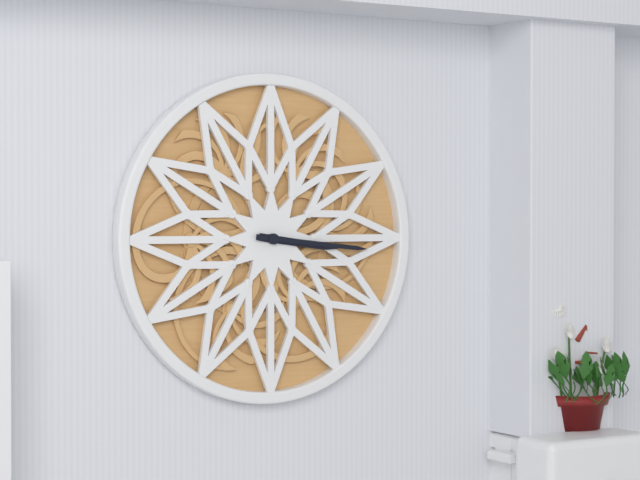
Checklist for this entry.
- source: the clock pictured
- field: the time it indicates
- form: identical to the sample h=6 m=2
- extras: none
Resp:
h=3 m=16
